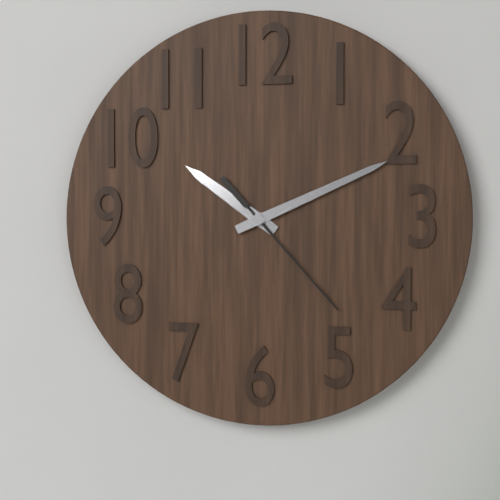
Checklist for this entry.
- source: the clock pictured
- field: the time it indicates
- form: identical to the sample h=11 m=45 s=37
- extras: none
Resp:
h=10 m=11 s=23
